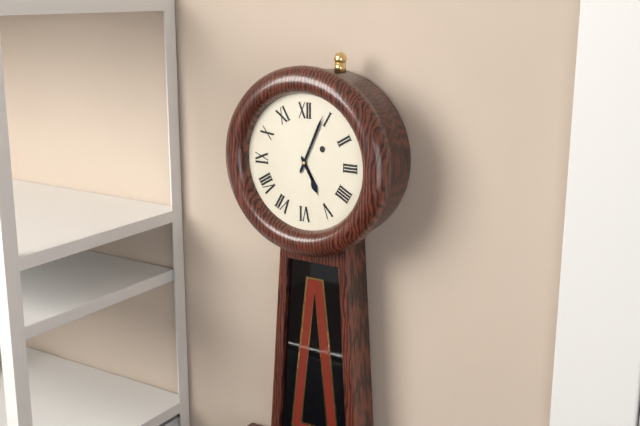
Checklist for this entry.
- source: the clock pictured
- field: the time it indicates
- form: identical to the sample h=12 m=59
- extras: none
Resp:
h=5 m=4
